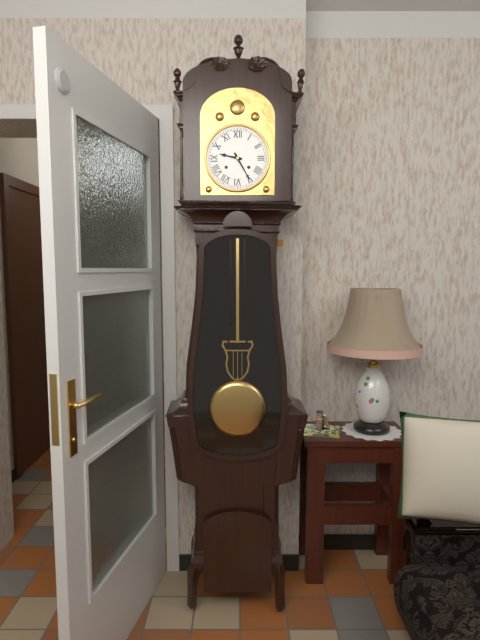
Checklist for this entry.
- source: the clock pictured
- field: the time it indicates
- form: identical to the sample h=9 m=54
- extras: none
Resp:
h=9 m=25
